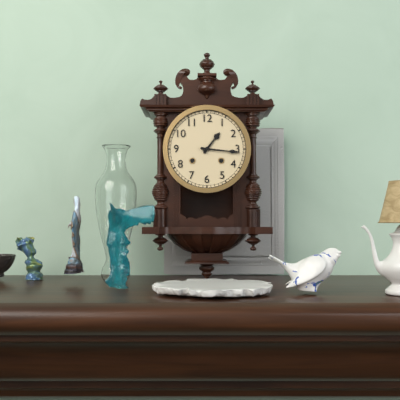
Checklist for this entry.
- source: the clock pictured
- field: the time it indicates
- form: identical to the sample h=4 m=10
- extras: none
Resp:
h=1 m=16
